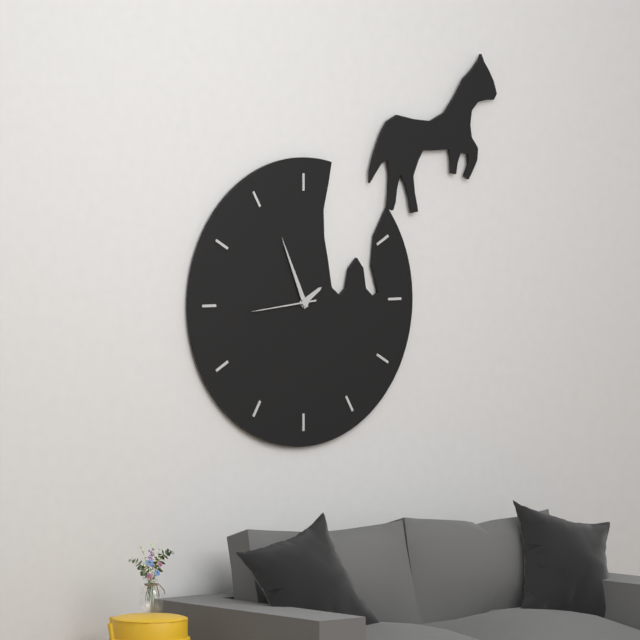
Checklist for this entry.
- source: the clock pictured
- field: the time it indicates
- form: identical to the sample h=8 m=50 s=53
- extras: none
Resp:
h=1 m=56 s=44
